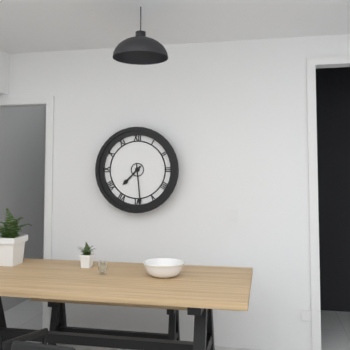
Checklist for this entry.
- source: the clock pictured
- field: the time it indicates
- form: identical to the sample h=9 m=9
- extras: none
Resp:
h=7 m=29
